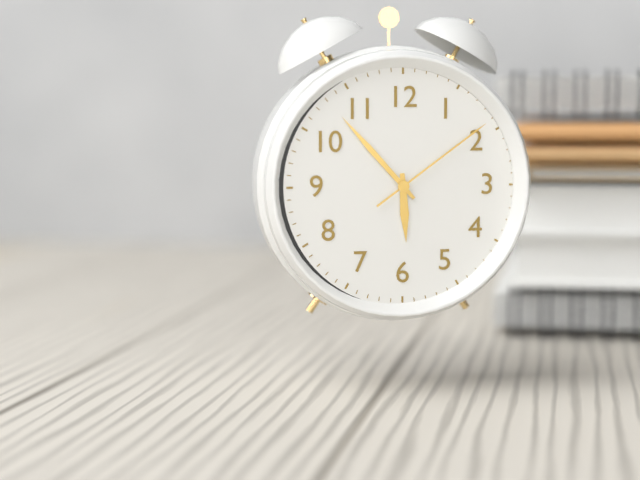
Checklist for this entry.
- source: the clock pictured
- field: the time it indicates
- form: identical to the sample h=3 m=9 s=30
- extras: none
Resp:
h=5 m=53 s=9
